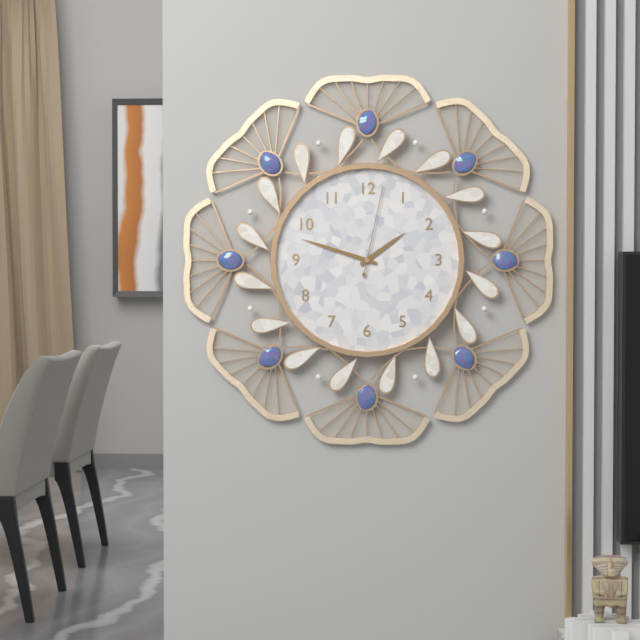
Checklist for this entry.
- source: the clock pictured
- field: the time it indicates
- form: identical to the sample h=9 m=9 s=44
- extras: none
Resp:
h=1 m=48 s=2
